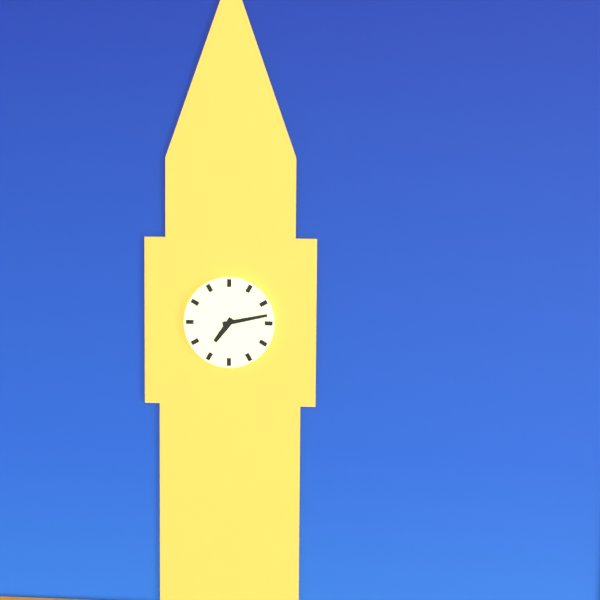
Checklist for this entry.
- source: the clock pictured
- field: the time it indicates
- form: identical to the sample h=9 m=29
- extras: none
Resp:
h=7 m=13
